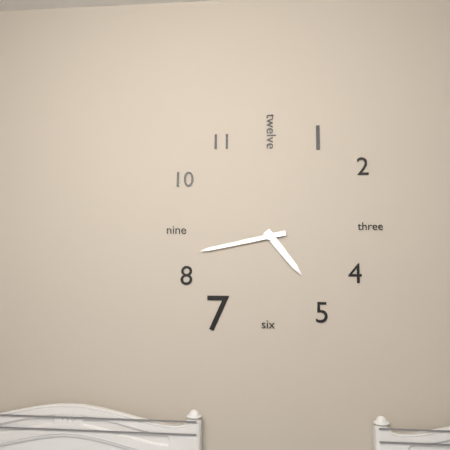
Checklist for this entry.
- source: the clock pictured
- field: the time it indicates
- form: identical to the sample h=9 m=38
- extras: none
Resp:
h=4 m=43
